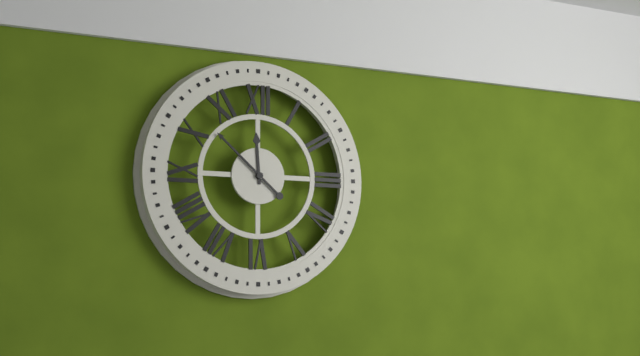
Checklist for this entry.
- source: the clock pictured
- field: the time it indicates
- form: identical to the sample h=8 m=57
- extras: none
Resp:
h=11 m=52
